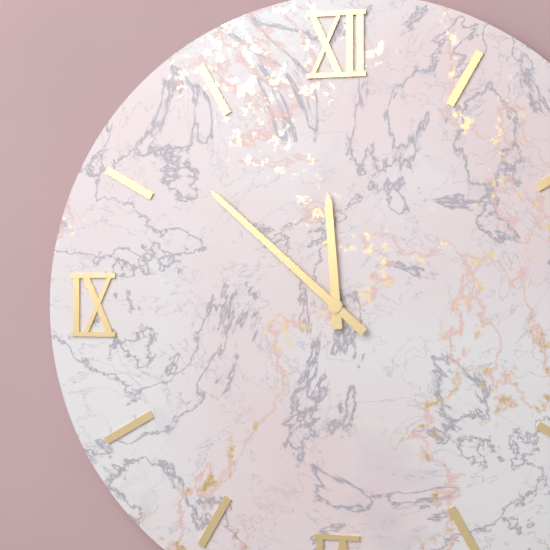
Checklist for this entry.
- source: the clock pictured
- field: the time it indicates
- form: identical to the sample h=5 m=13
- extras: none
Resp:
h=11 m=52
